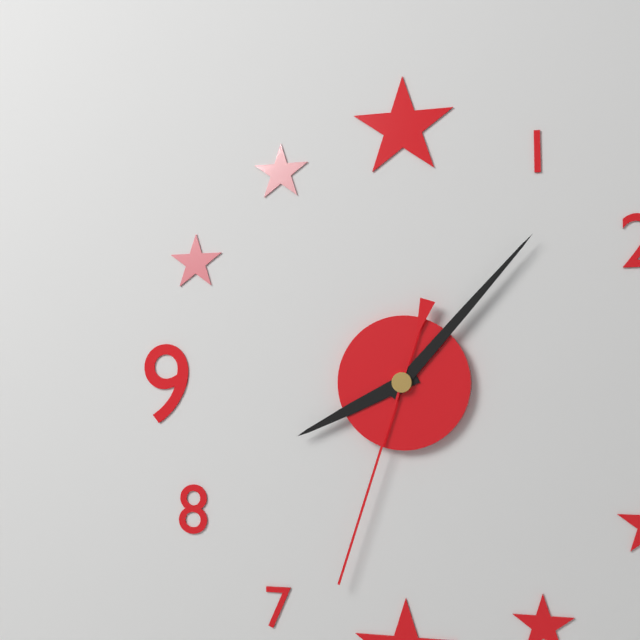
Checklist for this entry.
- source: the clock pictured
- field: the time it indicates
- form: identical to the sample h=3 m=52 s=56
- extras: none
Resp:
h=8 m=7 s=33
